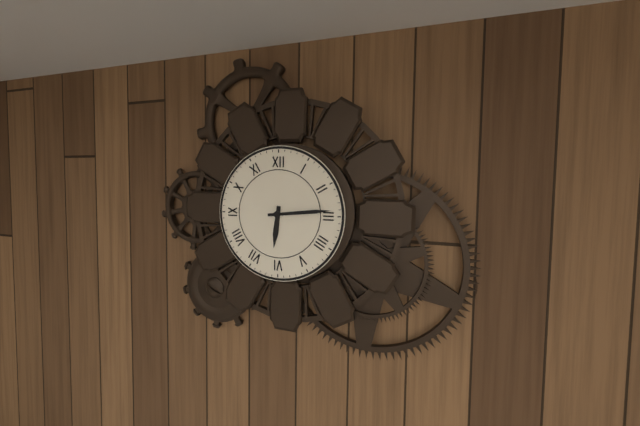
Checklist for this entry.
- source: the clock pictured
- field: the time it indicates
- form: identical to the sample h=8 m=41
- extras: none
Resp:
h=6 m=14
